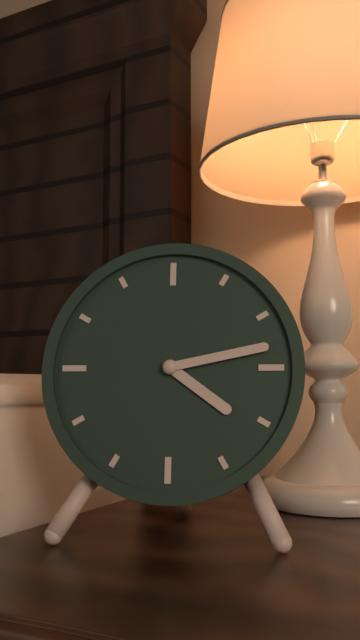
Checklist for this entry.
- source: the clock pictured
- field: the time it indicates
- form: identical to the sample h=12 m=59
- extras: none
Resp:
h=4 m=13
